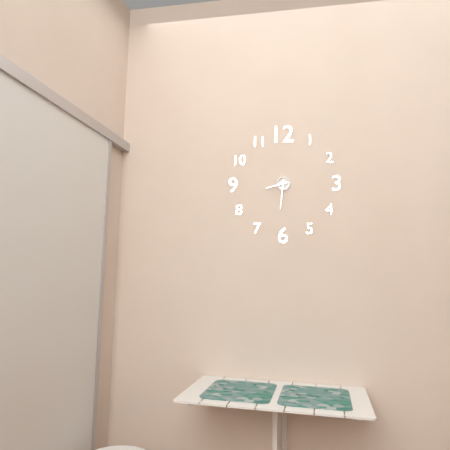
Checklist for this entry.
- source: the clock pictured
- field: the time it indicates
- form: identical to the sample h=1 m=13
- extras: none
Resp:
h=8 m=31
